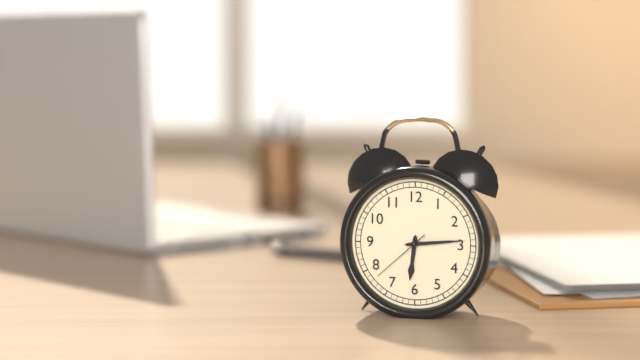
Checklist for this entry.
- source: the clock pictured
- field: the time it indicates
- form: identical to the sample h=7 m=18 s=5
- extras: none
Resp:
h=6 m=14 s=38
